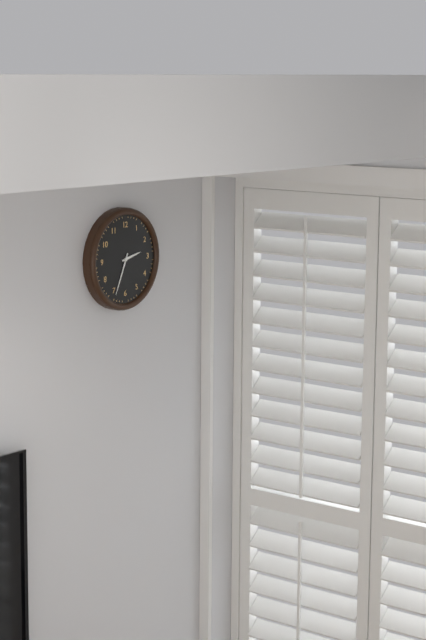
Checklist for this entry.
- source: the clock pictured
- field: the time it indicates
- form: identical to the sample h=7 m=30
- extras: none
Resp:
h=2 m=34
